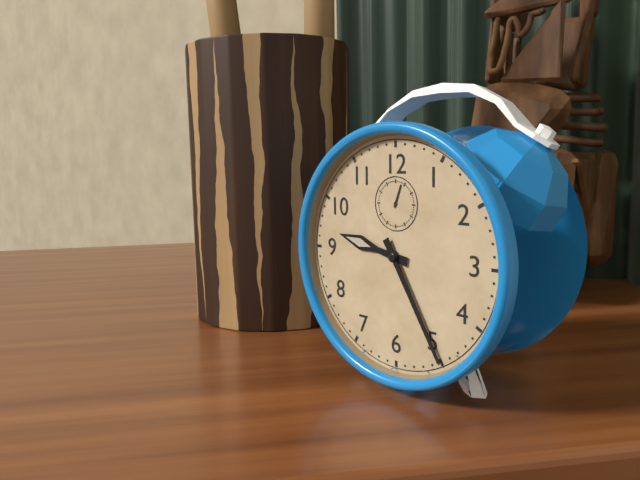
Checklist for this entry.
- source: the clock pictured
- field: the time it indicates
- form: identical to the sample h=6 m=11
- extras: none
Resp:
h=9 m=25
